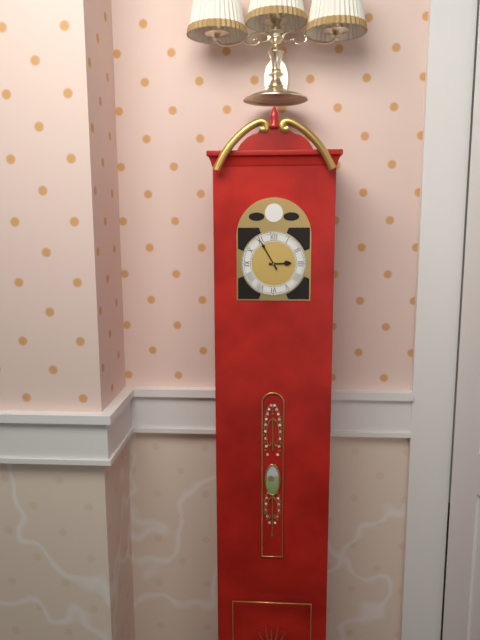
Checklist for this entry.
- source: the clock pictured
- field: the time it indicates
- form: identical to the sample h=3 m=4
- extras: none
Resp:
h=2 m=55
